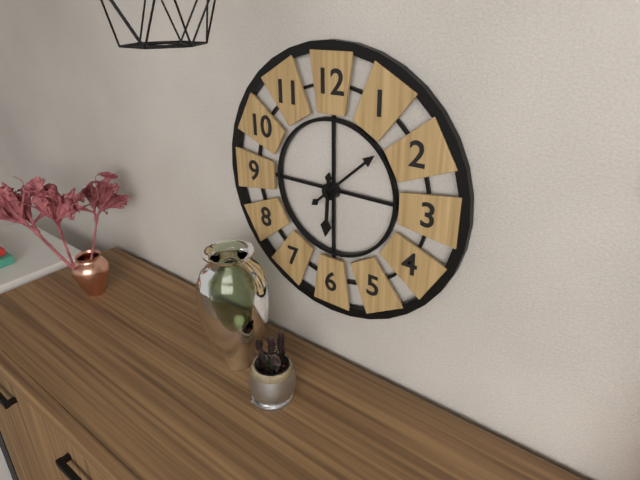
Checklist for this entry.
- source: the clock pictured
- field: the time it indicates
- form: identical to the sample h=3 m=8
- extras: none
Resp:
h=6 m=8
